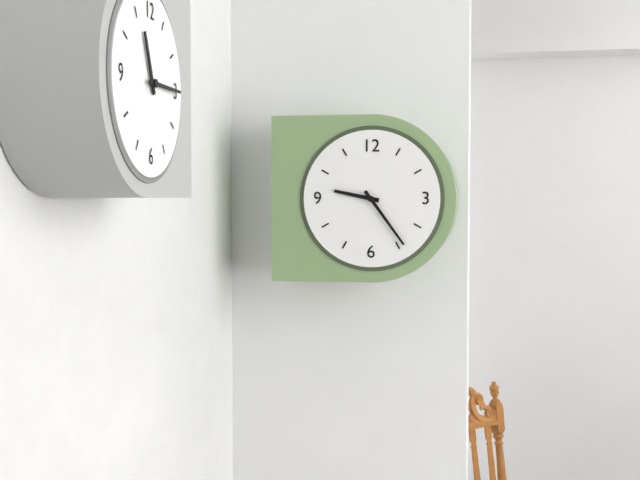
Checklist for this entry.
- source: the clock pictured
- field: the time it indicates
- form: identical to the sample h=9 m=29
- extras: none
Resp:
h=9 m=24
